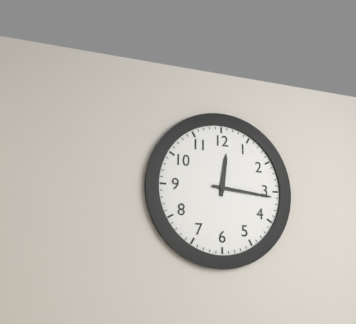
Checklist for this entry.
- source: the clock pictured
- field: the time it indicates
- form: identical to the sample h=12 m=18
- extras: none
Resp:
h=12 m=16
